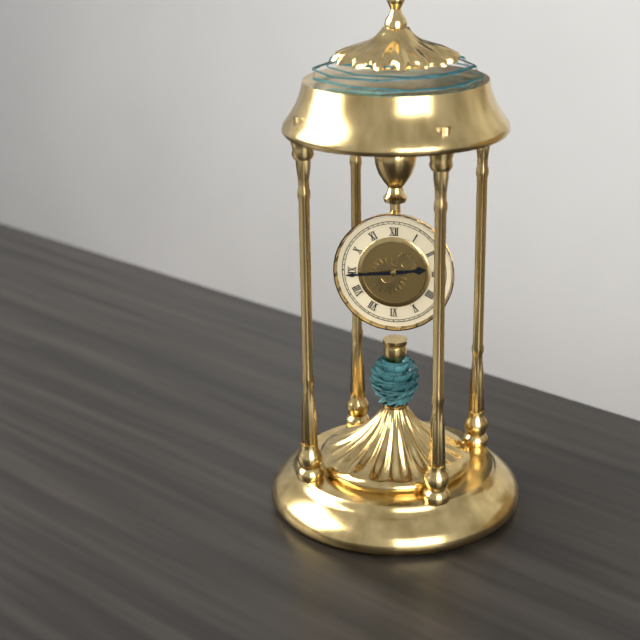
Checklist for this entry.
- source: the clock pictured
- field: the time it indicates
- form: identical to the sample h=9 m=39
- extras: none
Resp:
h=2 m=44
